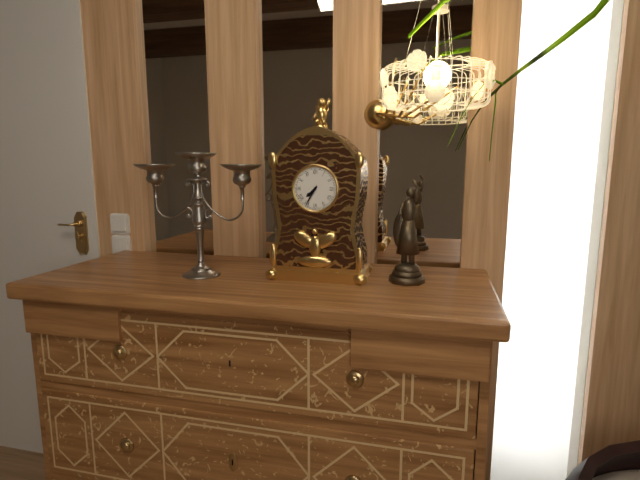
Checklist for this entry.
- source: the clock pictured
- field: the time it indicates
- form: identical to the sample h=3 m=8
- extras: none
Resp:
h=7 m=35
